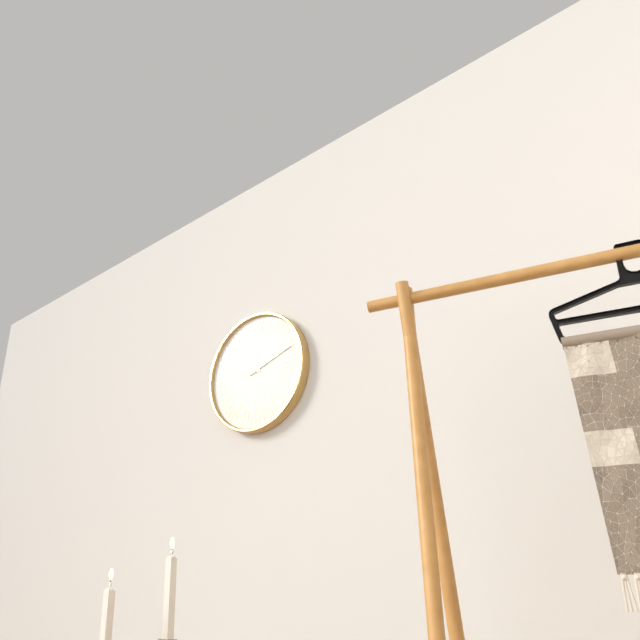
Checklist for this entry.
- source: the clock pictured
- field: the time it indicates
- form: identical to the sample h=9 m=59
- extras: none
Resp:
h=9 m=12
